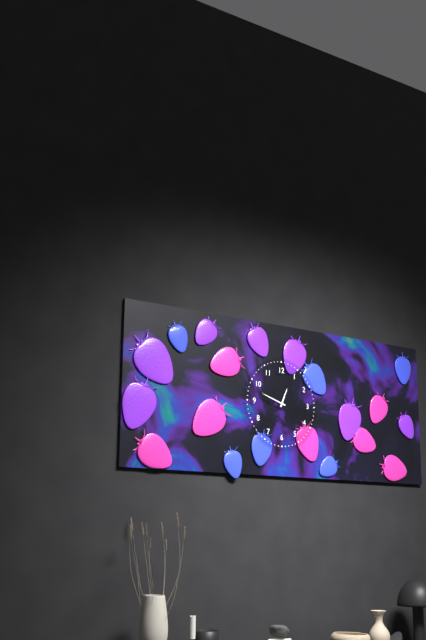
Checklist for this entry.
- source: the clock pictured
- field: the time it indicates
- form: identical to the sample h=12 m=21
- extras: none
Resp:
h=12 m=48
